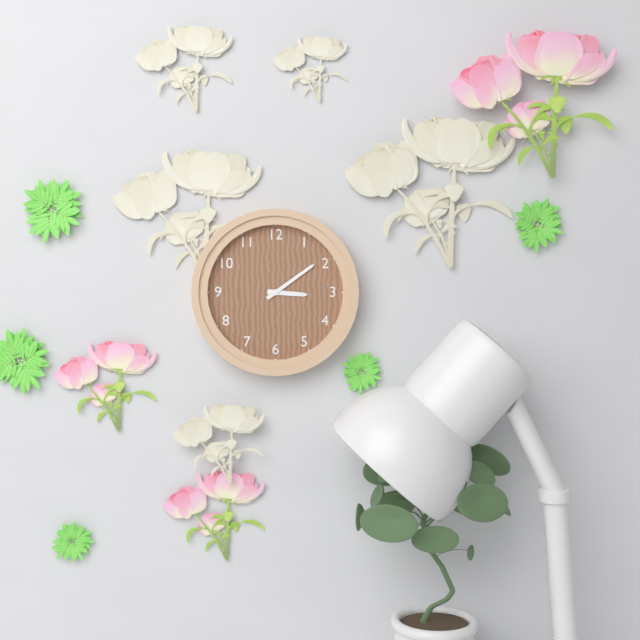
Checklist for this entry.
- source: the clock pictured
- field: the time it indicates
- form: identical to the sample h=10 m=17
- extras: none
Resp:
h=3 m=9
